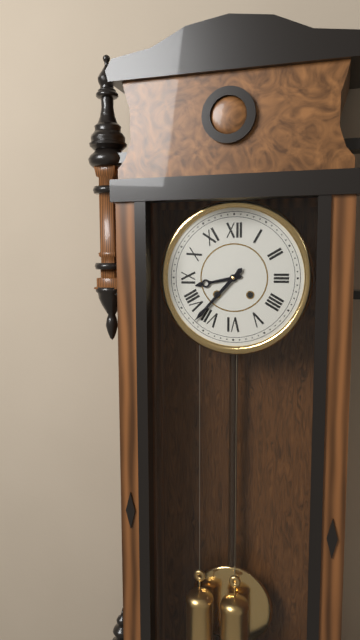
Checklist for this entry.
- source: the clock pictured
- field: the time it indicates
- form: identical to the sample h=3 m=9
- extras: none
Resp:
h=8 m=37
